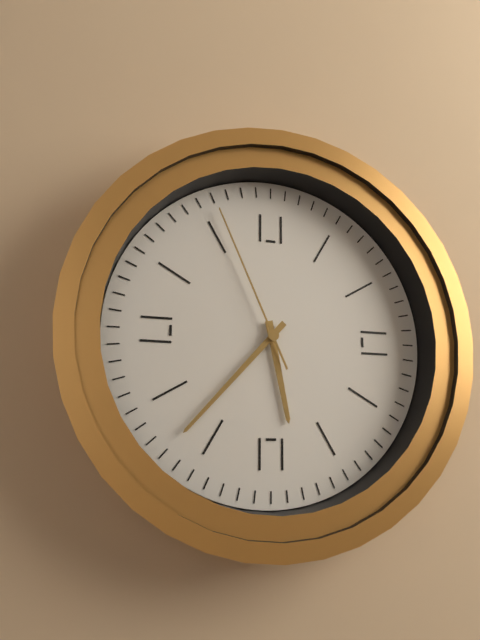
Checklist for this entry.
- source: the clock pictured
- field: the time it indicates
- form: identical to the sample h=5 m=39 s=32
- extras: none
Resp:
h=5 m=37 s=56
